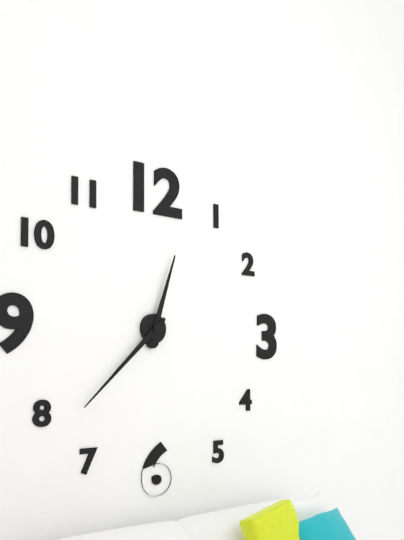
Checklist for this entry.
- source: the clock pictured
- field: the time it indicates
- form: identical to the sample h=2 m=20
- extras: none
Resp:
h=12 m=38
